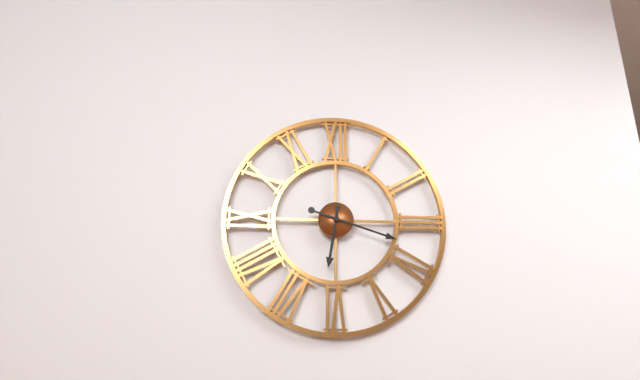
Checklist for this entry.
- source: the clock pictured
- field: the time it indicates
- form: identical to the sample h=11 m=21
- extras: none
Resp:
h=6 m=18
